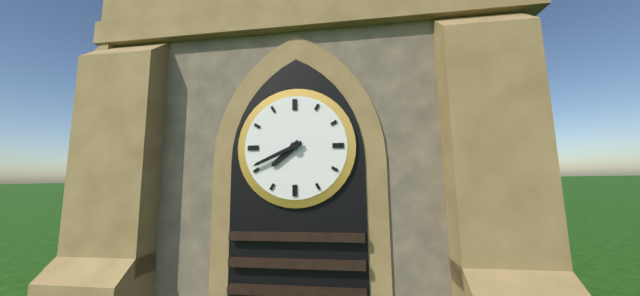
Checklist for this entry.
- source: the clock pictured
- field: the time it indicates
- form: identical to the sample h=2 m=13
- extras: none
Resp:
h=7 m=41
